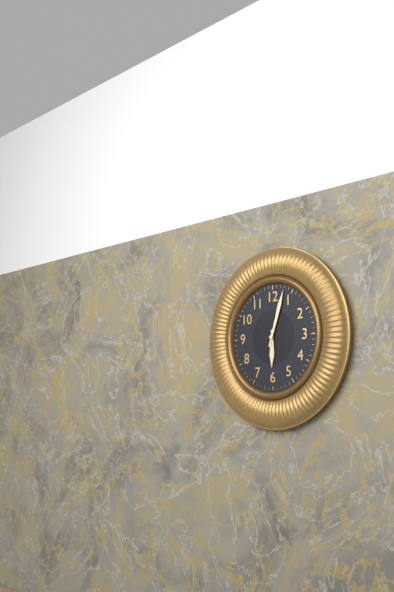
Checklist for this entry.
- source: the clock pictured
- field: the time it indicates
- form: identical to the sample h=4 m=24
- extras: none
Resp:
h=6 m=3
